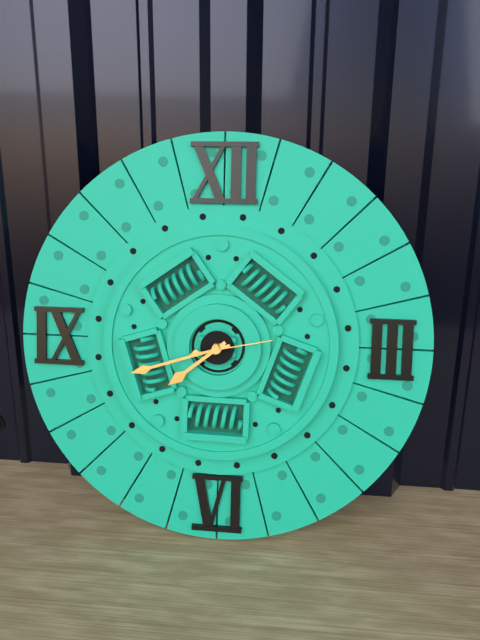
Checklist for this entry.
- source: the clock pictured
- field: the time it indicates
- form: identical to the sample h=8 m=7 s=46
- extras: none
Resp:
h=7 m=42 s=13
